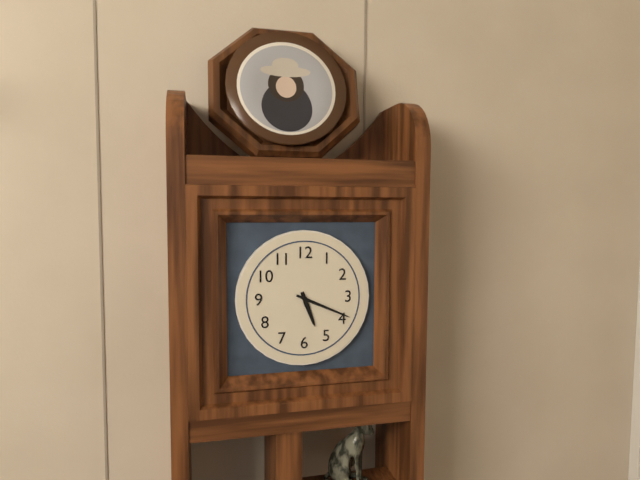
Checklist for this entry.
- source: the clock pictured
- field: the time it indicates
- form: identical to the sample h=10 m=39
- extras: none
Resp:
h=5 m=19
